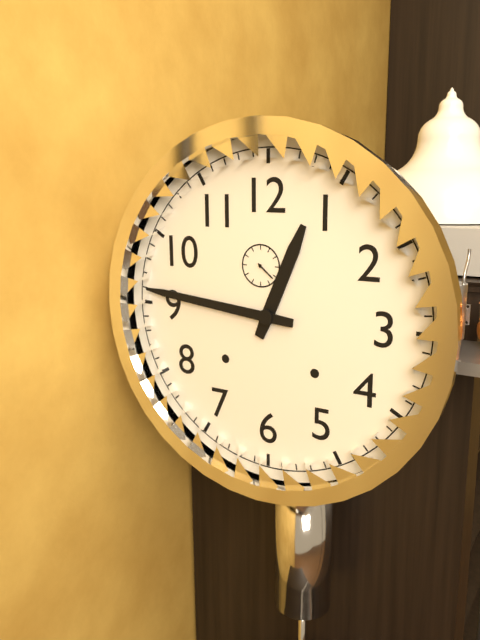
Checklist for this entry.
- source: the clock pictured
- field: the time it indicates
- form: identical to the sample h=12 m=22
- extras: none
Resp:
h=12 m=46
